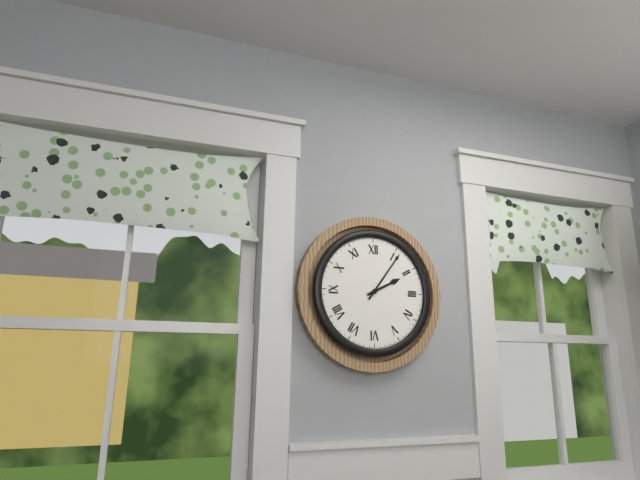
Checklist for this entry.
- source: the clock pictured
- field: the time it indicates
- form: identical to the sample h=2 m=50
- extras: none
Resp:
h=2 m=6
